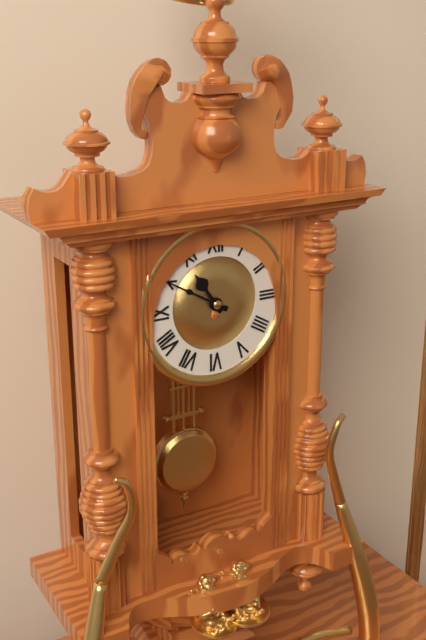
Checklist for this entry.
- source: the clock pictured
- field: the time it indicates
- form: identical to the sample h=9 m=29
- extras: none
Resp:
h=10 m=50
